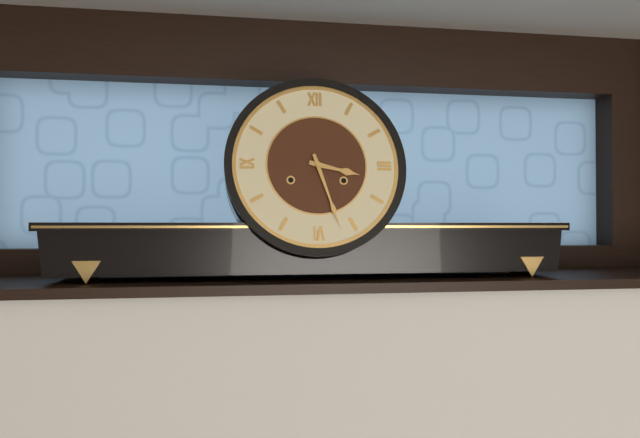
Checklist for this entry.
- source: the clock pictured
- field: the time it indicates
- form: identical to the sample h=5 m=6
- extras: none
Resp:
h=3 m=27
